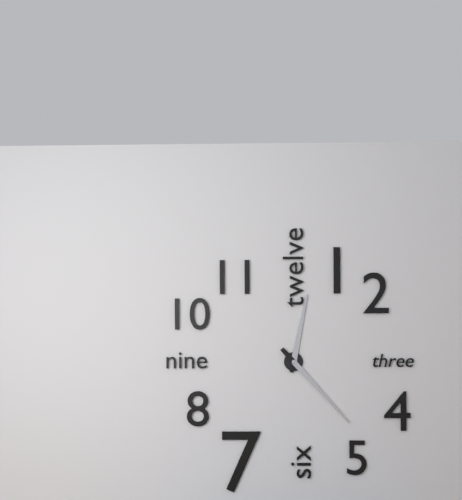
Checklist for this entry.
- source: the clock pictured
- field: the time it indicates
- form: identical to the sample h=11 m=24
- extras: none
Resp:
h=12 m=23
